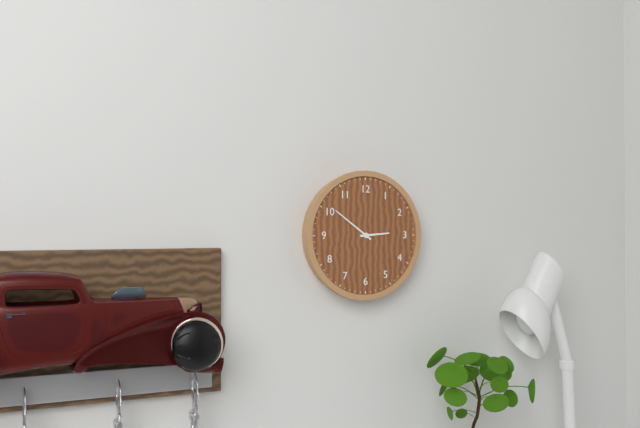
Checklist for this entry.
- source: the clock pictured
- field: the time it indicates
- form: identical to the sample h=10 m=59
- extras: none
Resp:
h=2 m=51
